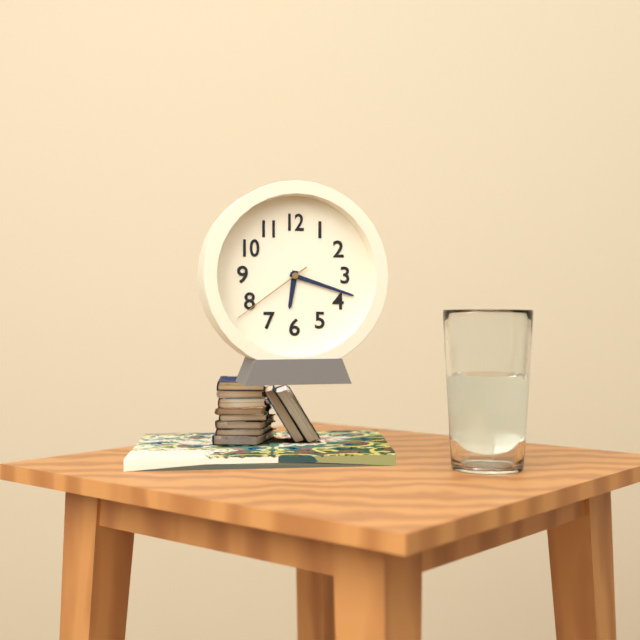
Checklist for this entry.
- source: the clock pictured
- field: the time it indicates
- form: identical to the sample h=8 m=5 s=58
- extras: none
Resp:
h=6 m=18 s=39
